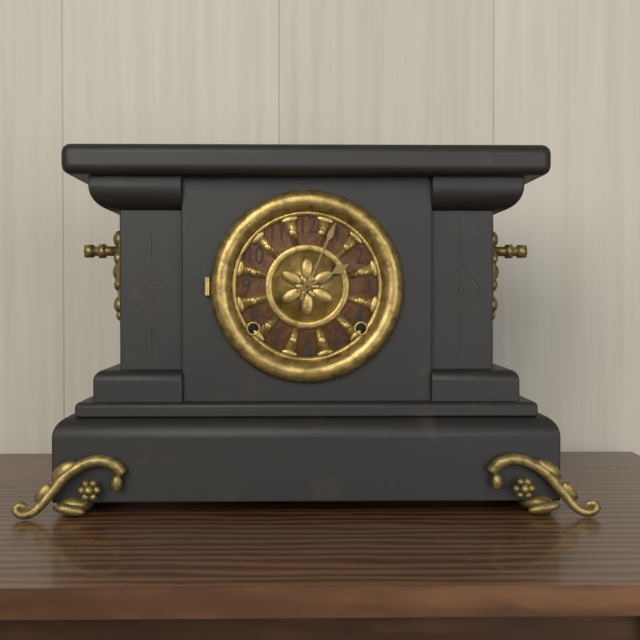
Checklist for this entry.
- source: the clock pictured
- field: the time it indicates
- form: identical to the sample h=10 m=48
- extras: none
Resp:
h=2 m=4
